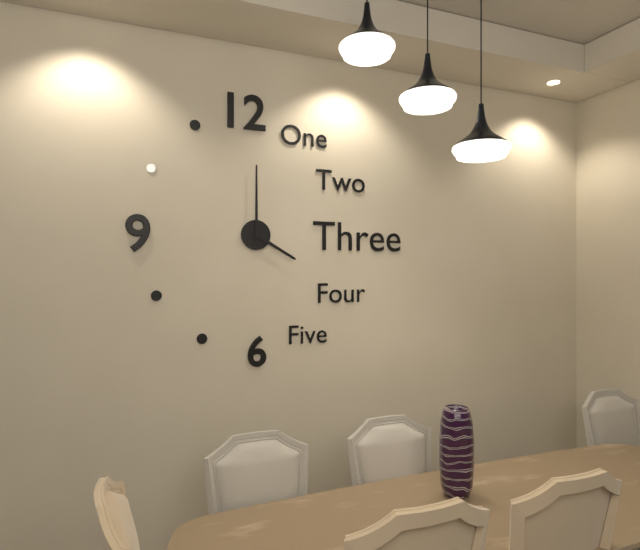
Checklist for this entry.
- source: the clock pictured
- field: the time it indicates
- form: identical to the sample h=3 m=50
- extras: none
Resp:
h=4 m=0
